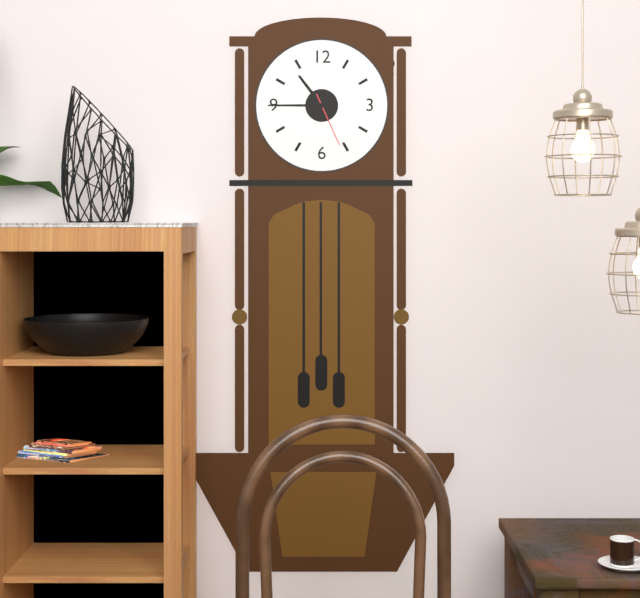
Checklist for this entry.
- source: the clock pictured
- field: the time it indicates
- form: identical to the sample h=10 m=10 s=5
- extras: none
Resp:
h=10 m=45 s=26
